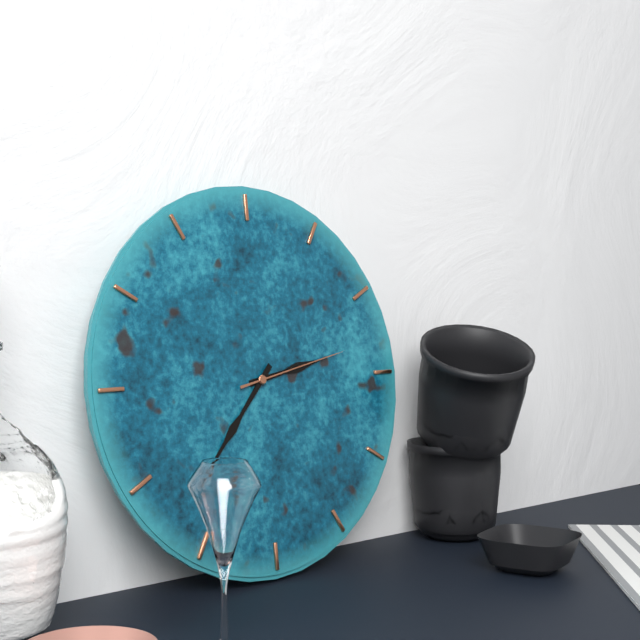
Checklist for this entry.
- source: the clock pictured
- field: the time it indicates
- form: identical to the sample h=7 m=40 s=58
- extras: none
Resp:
h=2 m=37 s=13
